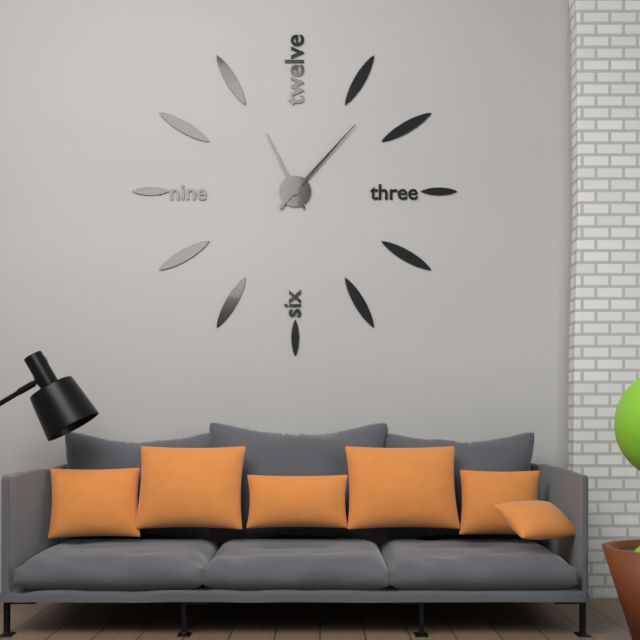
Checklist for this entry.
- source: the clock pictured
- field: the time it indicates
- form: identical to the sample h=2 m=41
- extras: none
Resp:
h=11 m=7
